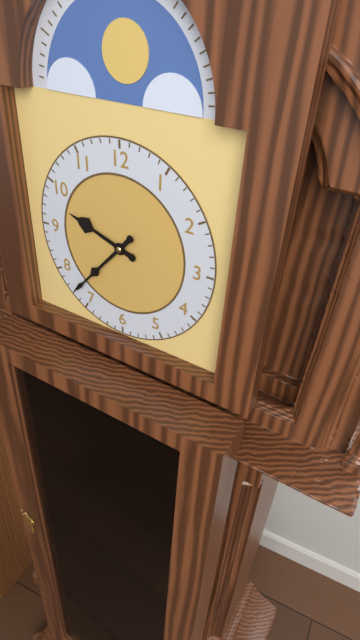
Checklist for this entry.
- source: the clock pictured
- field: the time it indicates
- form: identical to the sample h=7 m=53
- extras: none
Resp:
h=9 m=37
